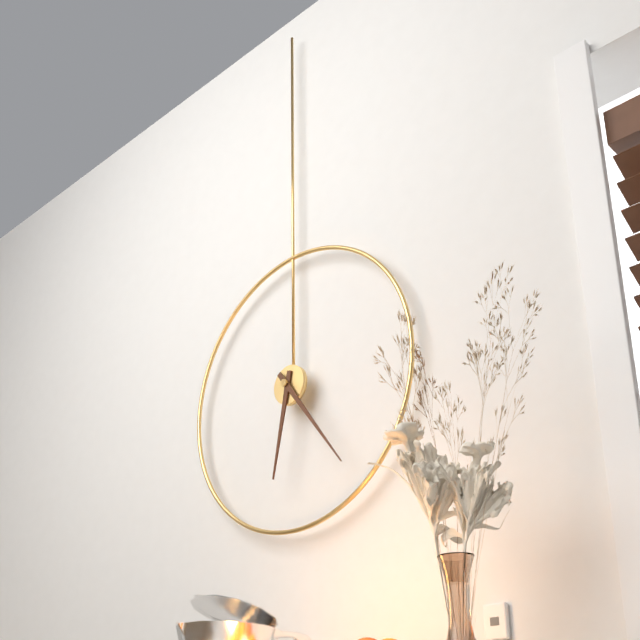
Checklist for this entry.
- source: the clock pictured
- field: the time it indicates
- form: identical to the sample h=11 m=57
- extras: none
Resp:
h=6 m=24
